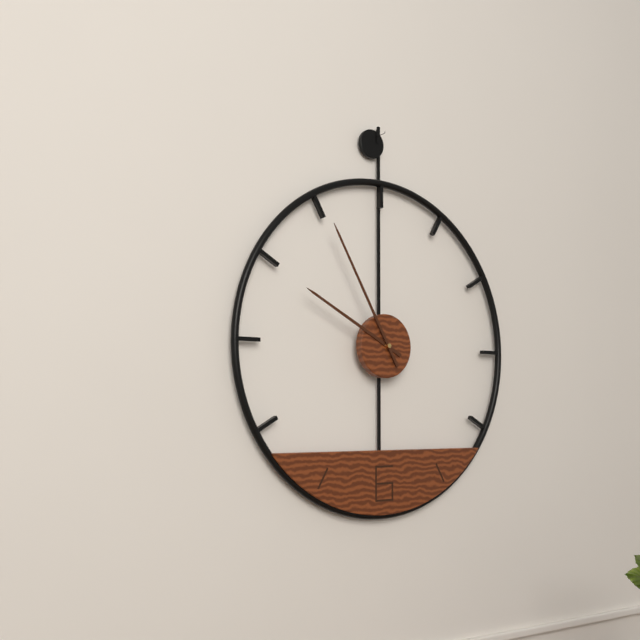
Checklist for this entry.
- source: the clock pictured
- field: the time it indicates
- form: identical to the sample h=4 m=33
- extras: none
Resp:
h=9 m=55
